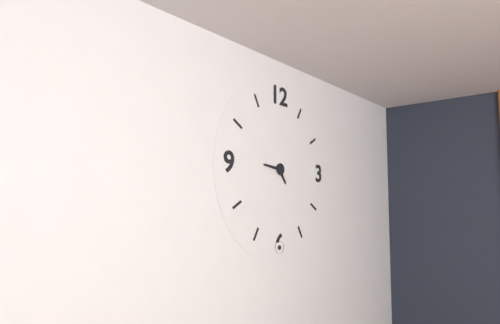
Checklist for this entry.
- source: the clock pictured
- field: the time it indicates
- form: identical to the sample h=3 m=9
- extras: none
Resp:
h=4 m=46
